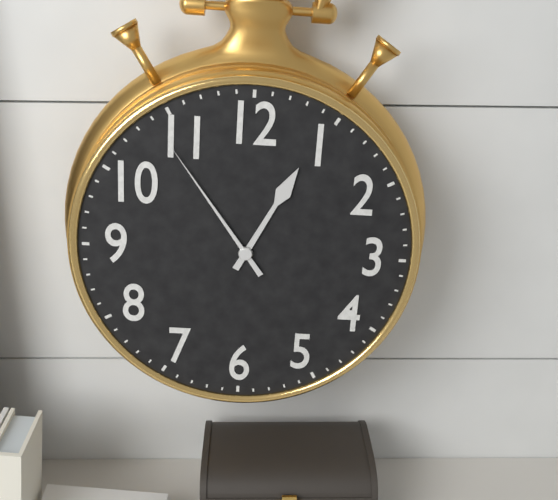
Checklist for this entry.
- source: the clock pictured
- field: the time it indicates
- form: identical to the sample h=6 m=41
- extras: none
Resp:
h=12 m=54
